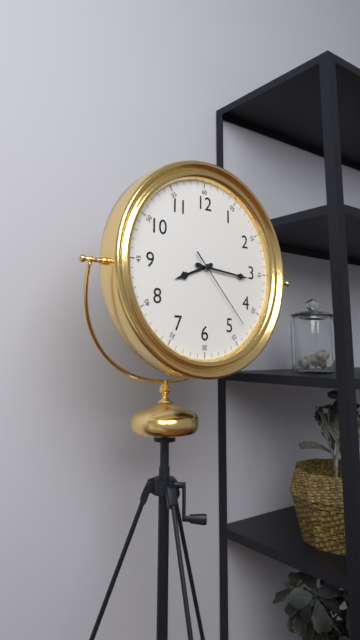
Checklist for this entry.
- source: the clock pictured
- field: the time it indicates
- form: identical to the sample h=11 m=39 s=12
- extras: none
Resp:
h=8 m=16 s=23
